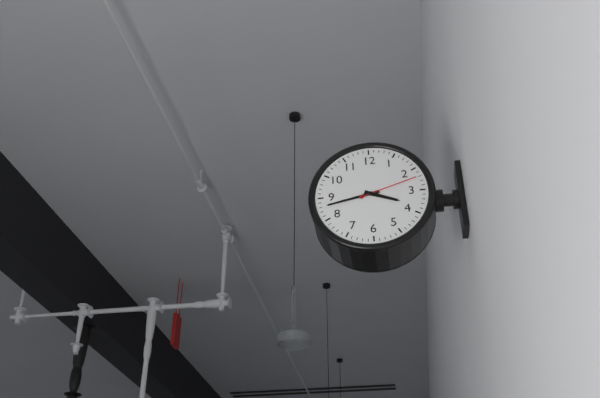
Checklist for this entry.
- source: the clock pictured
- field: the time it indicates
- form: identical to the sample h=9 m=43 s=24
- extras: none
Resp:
h=3 m=43 s=12
